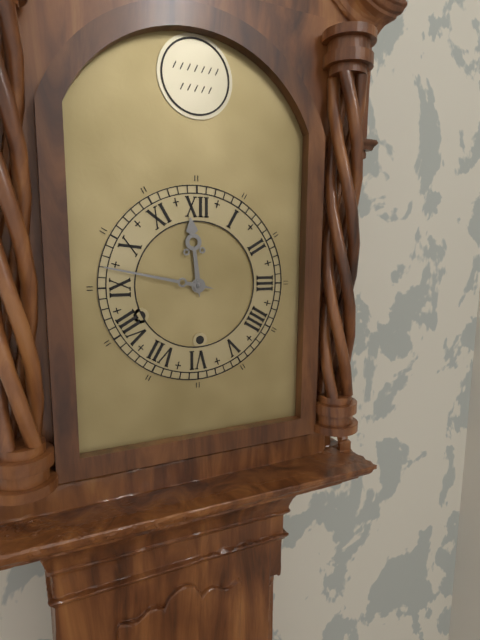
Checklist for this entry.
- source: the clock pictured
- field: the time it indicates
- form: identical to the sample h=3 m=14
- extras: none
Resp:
h=11 m=47
